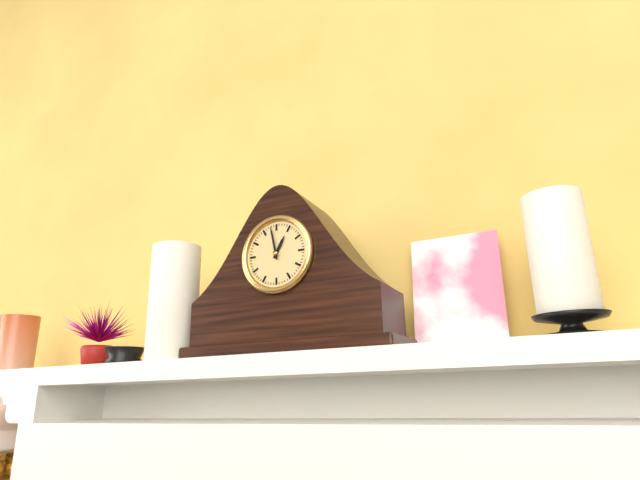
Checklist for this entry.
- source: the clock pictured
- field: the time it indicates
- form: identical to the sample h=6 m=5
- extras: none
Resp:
h=12 m=58
